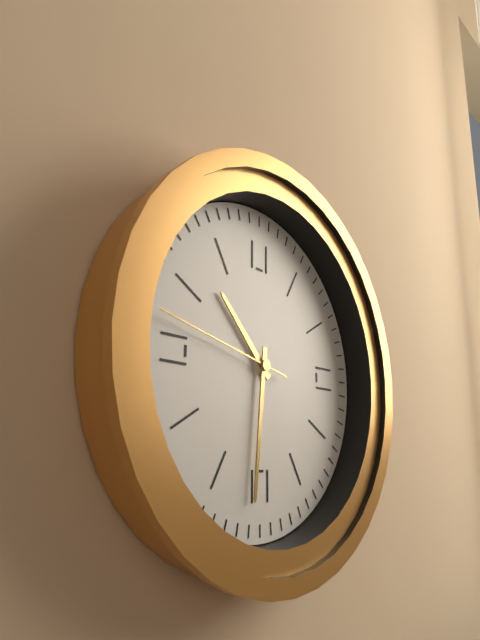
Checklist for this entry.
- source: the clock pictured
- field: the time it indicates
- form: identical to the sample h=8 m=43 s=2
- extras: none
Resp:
h=10 m=31 s=47
